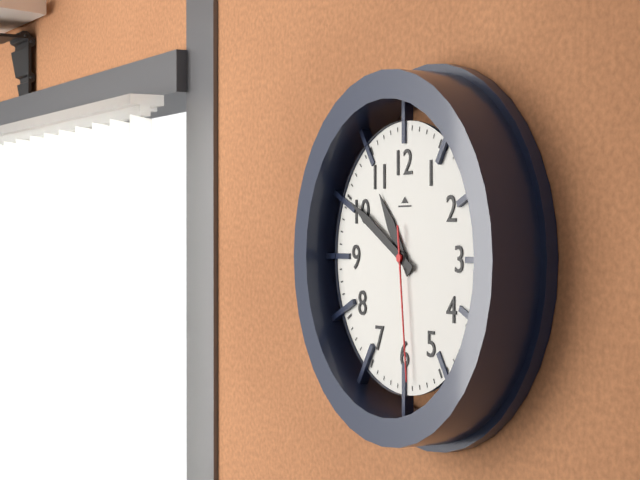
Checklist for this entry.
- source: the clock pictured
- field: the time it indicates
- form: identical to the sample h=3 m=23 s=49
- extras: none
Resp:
h=10 m=50 s=29
